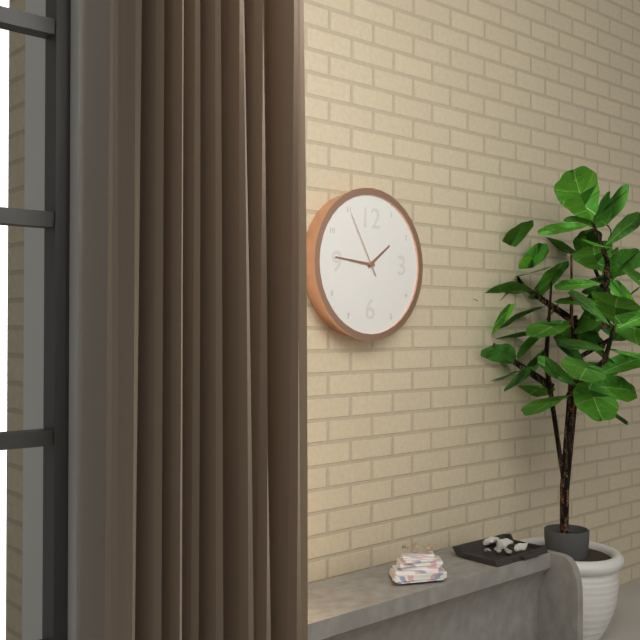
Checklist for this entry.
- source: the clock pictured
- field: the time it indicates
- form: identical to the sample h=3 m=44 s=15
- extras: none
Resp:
h=1 m=46 s=55
